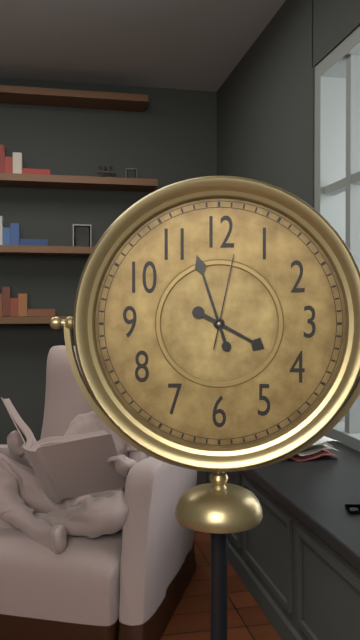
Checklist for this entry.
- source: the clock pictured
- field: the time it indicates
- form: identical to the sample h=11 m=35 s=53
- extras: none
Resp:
h=3 m=57 s=2
